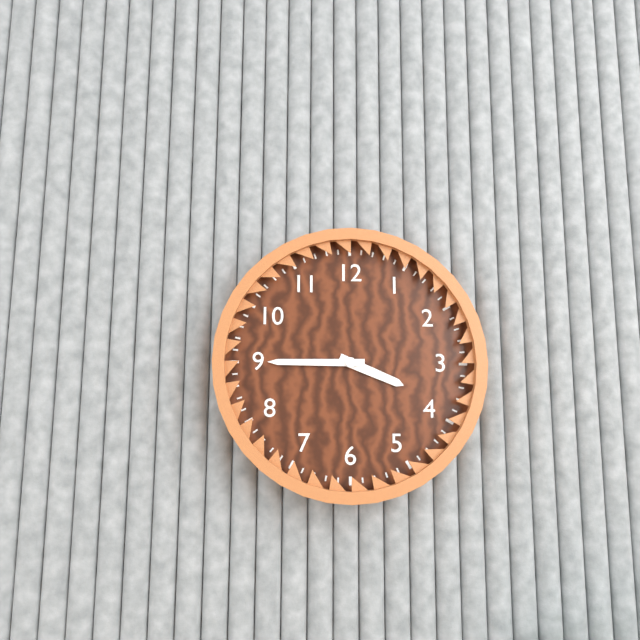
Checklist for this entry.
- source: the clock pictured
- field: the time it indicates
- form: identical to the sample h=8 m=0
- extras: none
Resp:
h=3 m=45
